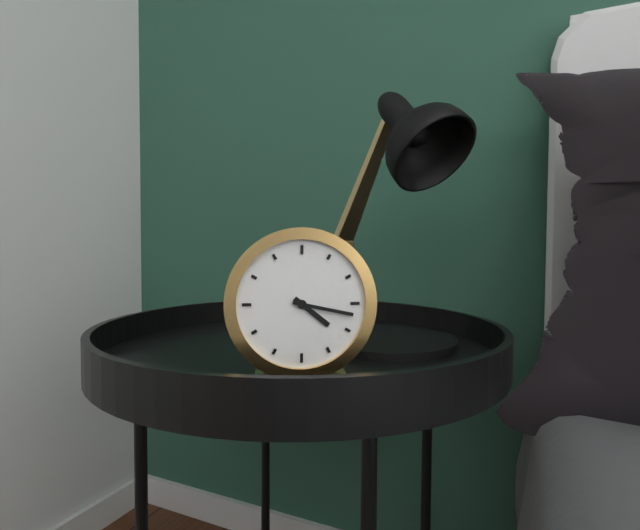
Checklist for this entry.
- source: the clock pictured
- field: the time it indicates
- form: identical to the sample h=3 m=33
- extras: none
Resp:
h=4 m=17
